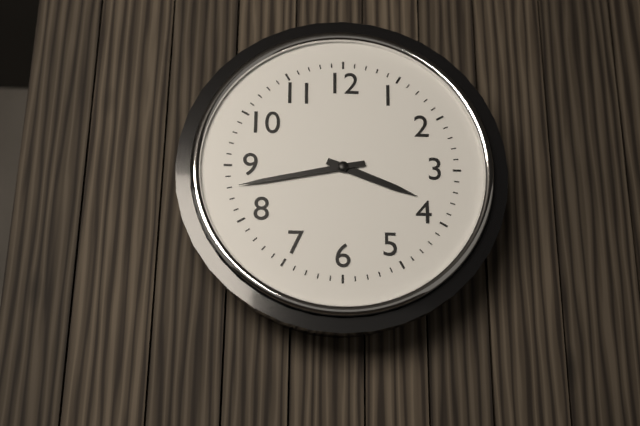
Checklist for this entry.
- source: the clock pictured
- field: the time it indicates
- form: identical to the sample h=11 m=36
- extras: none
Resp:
h=3 m=43
